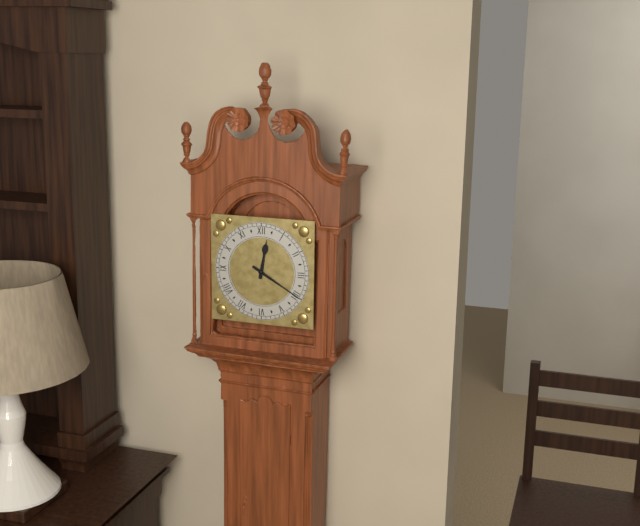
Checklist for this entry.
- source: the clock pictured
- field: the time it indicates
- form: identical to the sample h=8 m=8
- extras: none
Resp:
h=12 m=20
